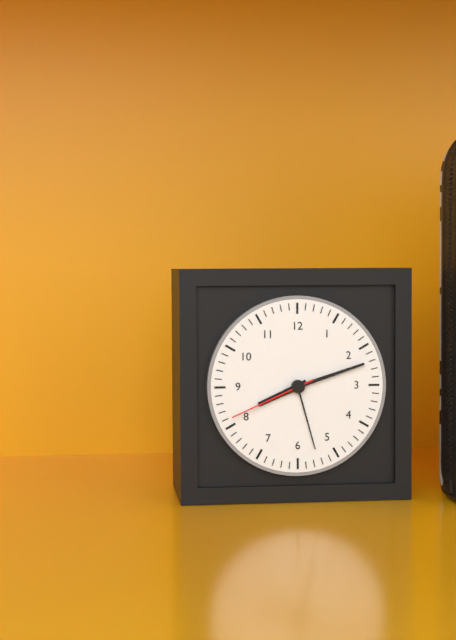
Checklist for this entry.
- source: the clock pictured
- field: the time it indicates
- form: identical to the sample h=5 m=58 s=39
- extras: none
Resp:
h=8 m=12 s=41
